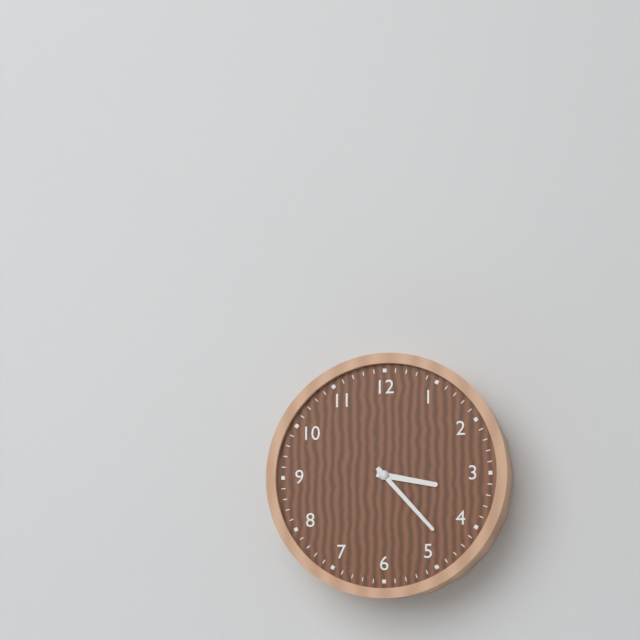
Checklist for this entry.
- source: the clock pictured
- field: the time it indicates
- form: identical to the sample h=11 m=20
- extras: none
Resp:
h=3 m=23
